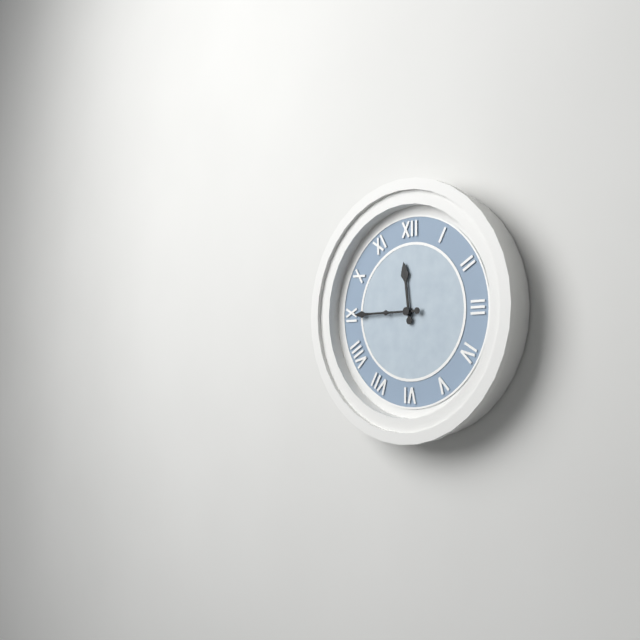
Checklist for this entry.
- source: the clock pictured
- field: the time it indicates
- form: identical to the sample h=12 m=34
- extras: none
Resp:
h=11 m=45
